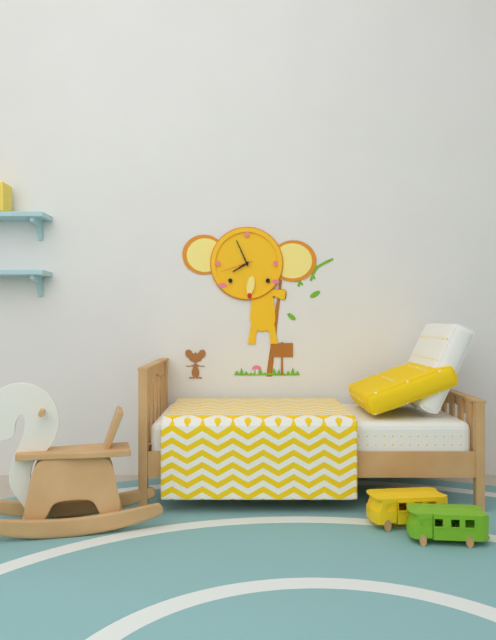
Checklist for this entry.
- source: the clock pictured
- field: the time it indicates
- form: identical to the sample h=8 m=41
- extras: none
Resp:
h=7 m=56
